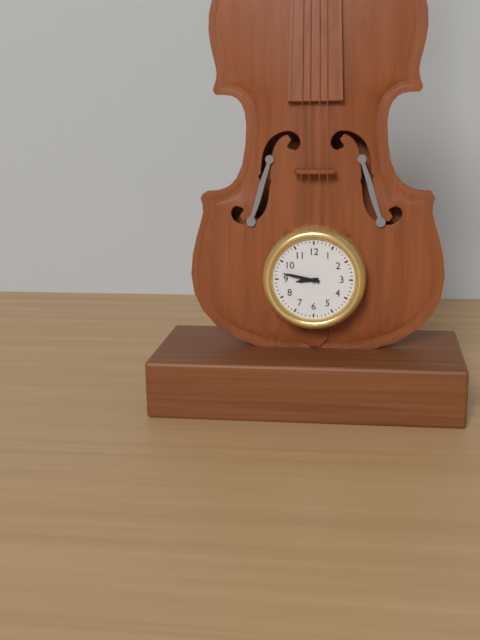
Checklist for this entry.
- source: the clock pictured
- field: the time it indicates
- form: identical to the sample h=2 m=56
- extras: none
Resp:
h=8 m=47
